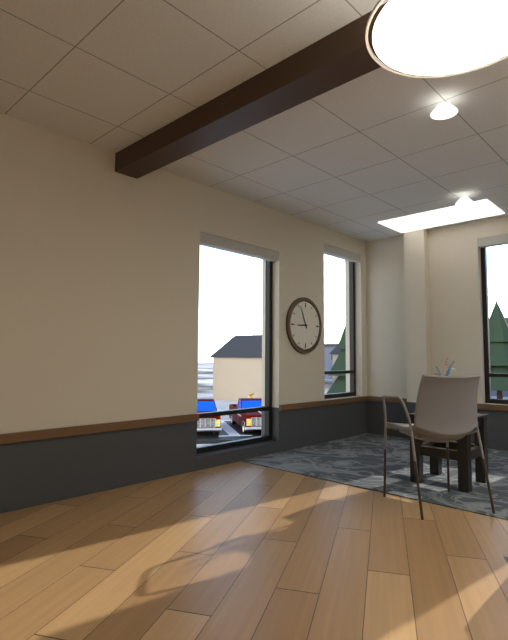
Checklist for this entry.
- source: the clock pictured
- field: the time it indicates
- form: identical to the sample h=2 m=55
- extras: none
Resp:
h=8 m=56
